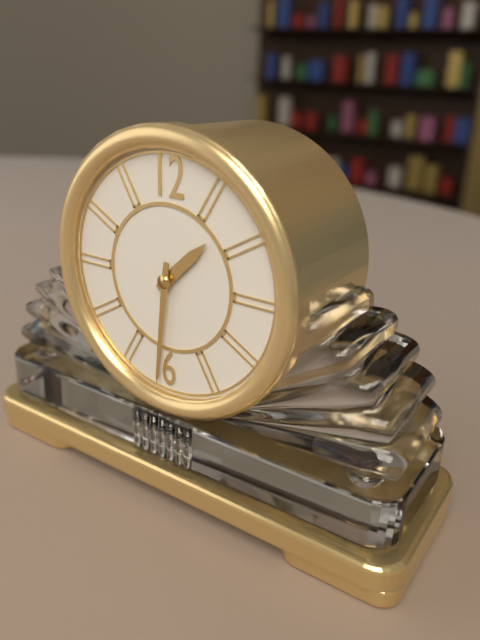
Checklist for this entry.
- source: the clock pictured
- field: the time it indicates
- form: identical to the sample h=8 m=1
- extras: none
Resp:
h=1 m=31
